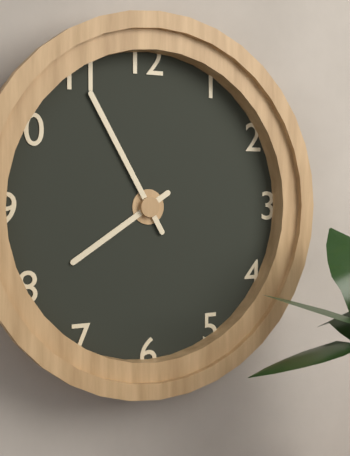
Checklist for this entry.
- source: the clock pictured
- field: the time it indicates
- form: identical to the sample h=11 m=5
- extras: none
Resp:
h=7 m=55
